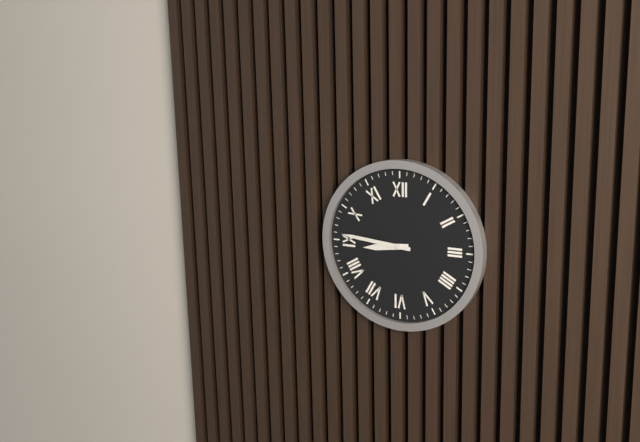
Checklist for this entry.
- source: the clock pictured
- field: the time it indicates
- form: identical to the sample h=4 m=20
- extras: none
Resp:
h=8 m=46
